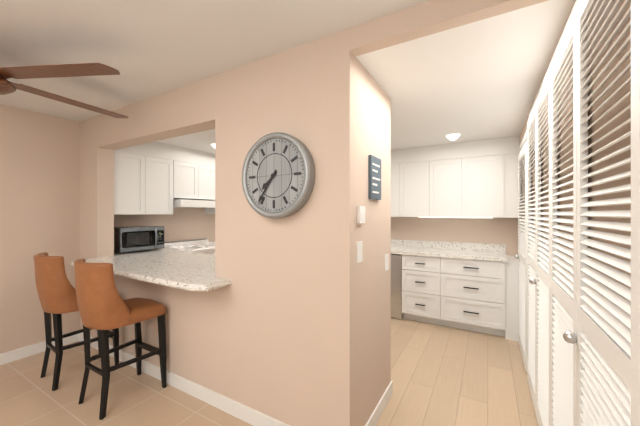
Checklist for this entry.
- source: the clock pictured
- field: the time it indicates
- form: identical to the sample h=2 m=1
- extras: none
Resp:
h=7 m=36
